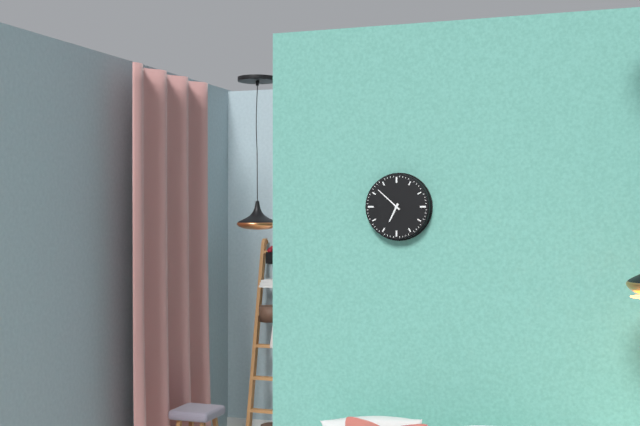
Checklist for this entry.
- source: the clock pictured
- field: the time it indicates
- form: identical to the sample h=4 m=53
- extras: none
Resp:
h=6 m=52
